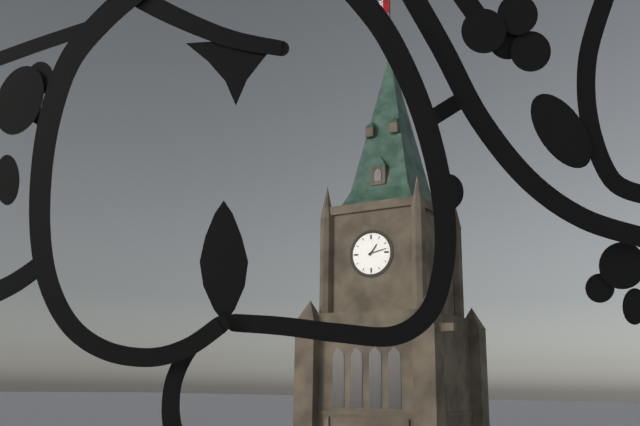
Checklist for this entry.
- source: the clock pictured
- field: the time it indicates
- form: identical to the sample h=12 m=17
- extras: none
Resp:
h=1 m=13
